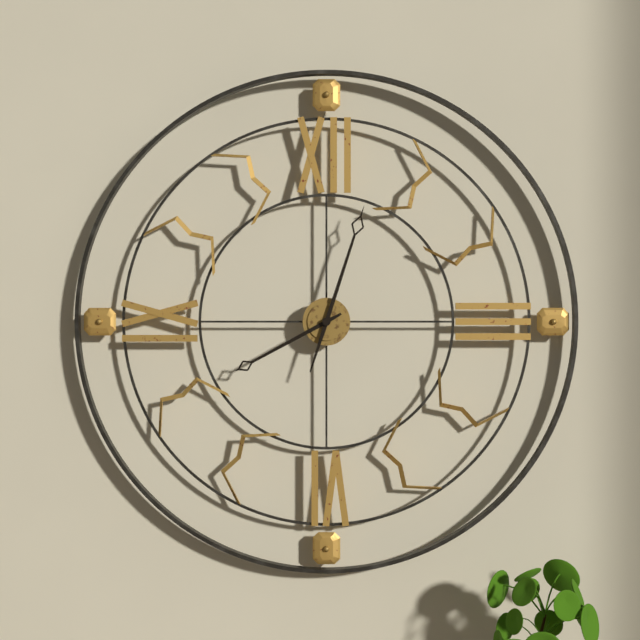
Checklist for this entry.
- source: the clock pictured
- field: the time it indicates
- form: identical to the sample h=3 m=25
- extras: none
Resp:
h=8 m=3
